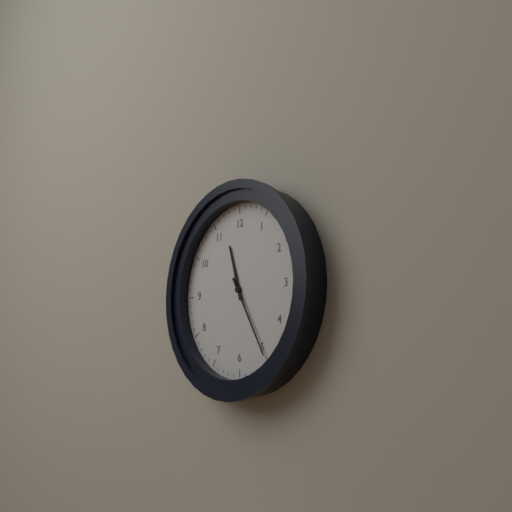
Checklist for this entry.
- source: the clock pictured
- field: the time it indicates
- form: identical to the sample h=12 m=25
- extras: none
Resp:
h=11 m=25
